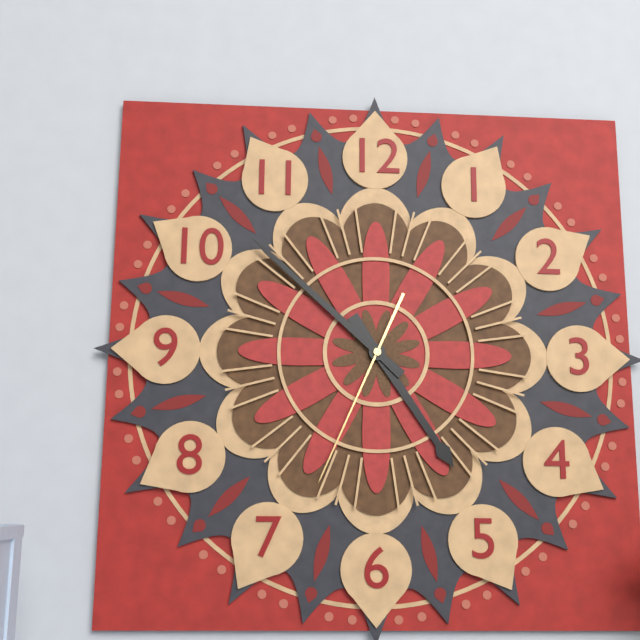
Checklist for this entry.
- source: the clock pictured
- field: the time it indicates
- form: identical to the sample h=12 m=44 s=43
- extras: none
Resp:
h=4 m=52 s=34
